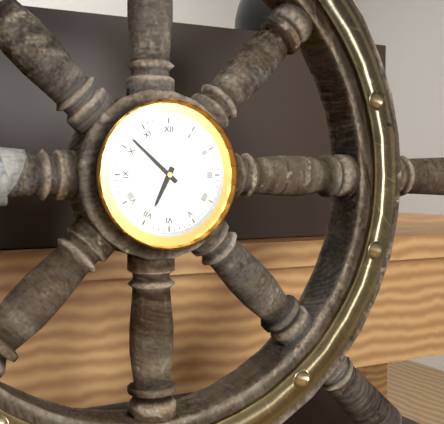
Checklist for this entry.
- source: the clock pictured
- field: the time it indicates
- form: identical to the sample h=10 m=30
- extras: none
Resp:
h=6 m=52
